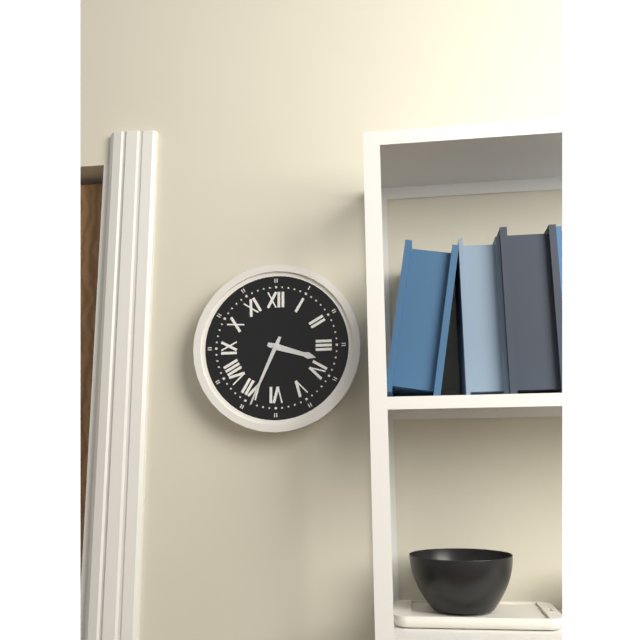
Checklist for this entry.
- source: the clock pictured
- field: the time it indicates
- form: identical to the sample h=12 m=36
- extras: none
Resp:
h=3 m=34
